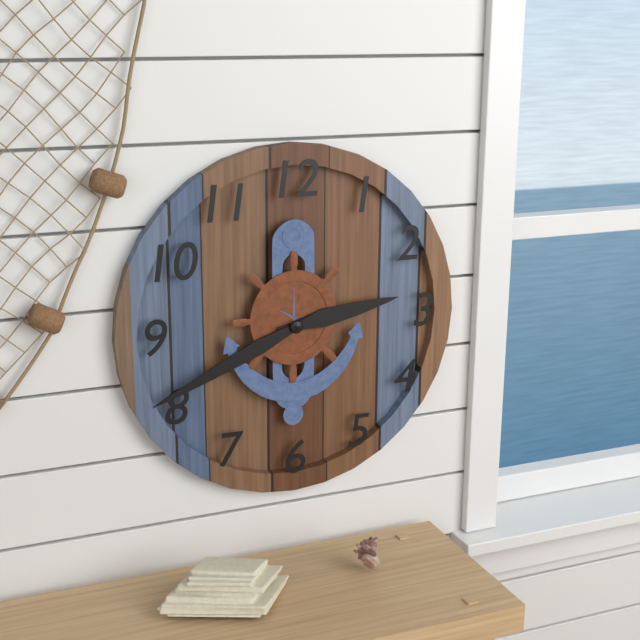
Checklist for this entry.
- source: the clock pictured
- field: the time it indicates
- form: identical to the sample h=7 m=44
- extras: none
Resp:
h=2 m=41
